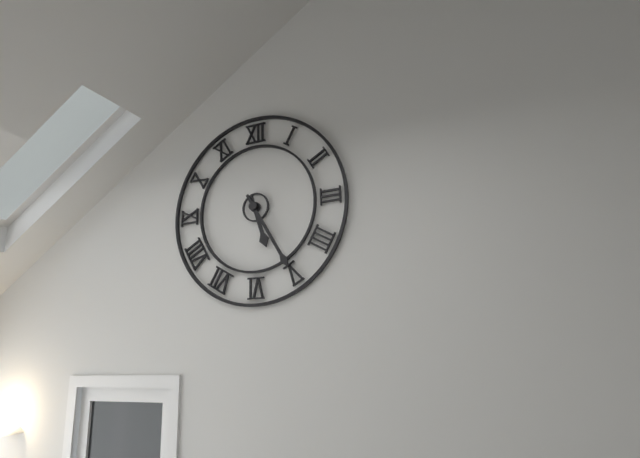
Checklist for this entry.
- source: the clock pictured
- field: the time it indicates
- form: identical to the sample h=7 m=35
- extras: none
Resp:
h=5 m=25
